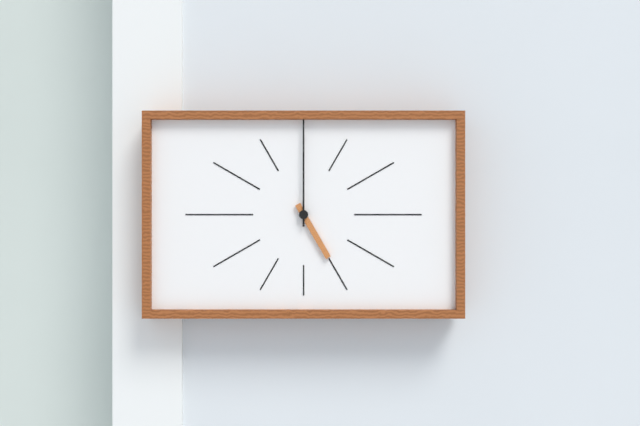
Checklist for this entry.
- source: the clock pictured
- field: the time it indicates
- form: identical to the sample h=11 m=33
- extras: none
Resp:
h=5 m=0
